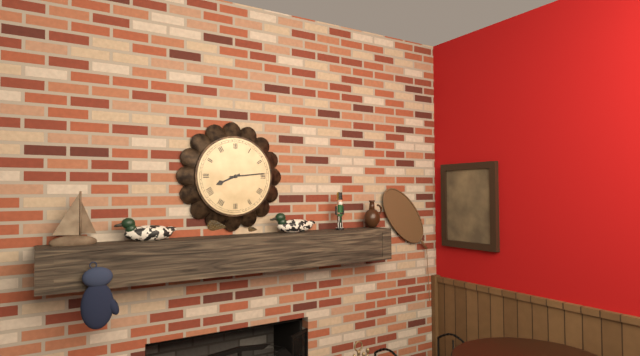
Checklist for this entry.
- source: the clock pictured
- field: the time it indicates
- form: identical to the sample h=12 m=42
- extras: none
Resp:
h=8 m=14
